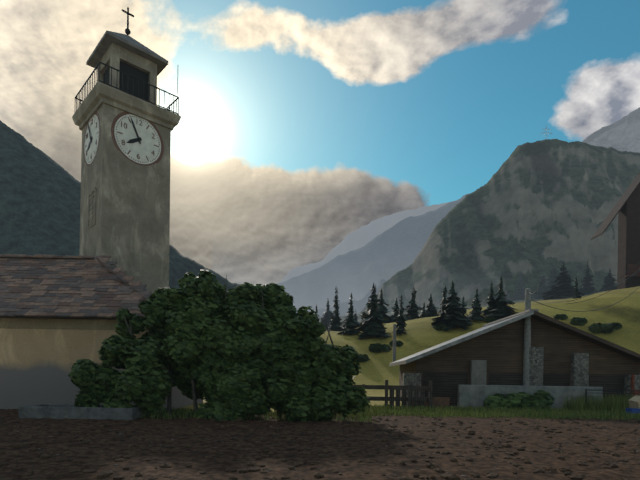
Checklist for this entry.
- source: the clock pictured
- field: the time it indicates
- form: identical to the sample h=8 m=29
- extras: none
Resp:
h=7 m=56
